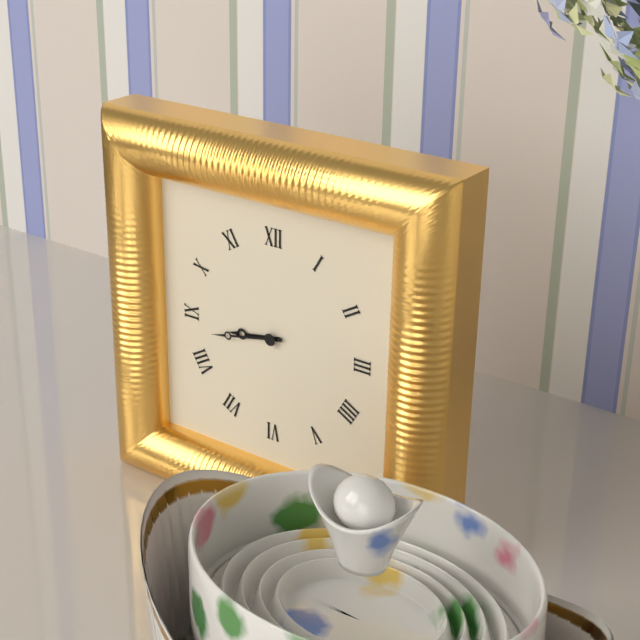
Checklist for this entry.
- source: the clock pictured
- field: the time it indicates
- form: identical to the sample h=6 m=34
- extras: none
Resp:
h=8 m=43
